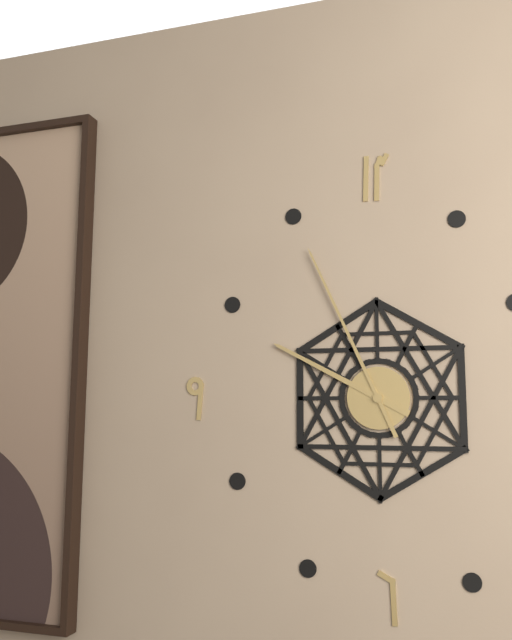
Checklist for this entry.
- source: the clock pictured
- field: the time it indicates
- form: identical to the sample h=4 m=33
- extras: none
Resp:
h=9 m=56
